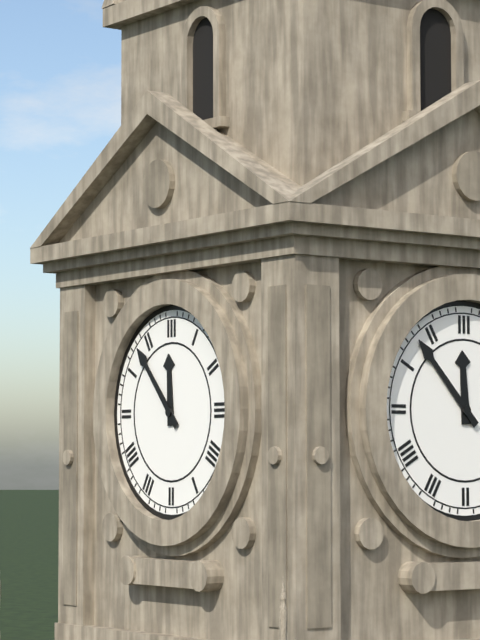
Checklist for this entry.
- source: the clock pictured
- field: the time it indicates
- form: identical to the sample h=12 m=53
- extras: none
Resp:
h=11 m=53
